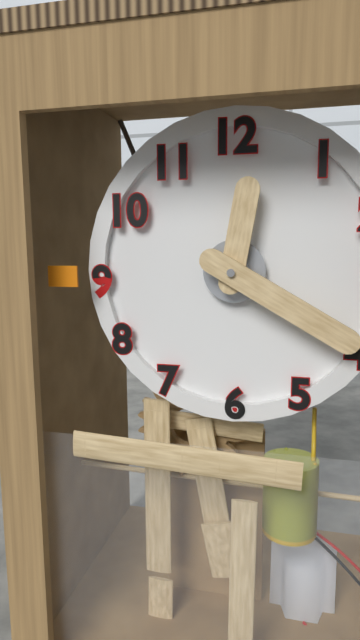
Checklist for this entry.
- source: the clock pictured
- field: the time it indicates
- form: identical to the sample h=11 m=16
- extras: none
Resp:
h=12 m=20
